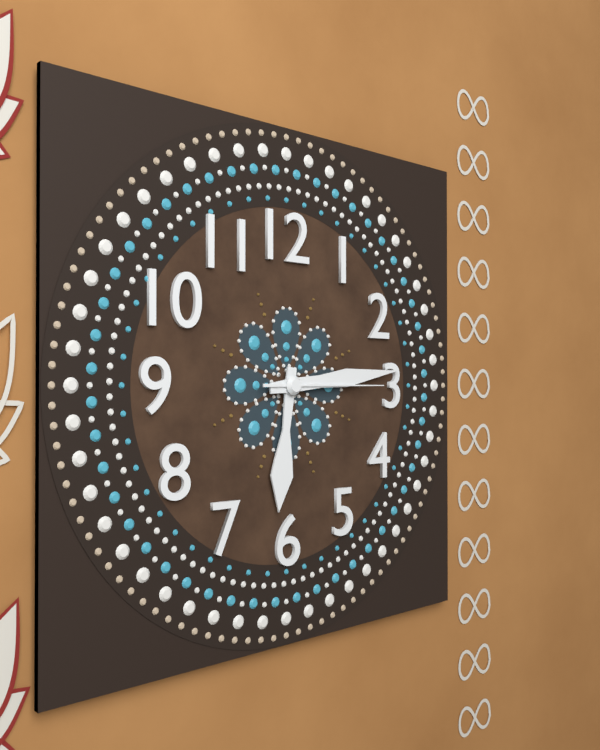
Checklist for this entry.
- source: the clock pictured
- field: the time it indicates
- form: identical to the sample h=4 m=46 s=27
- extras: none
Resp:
h=6 m=14 s=15
